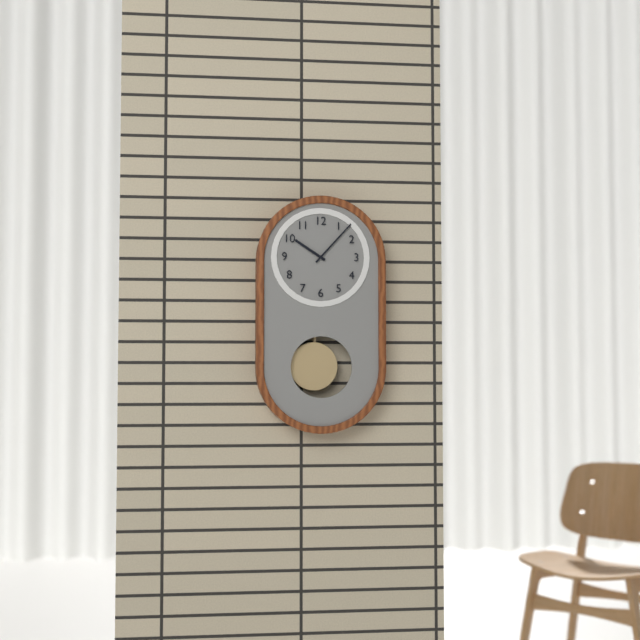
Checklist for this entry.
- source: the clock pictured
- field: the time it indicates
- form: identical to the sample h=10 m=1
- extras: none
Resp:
h=10 m=7
